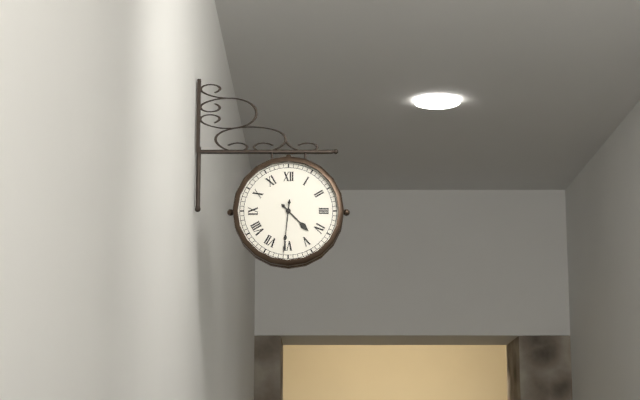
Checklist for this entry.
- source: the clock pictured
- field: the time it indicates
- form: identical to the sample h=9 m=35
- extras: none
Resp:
h=4 m=31
